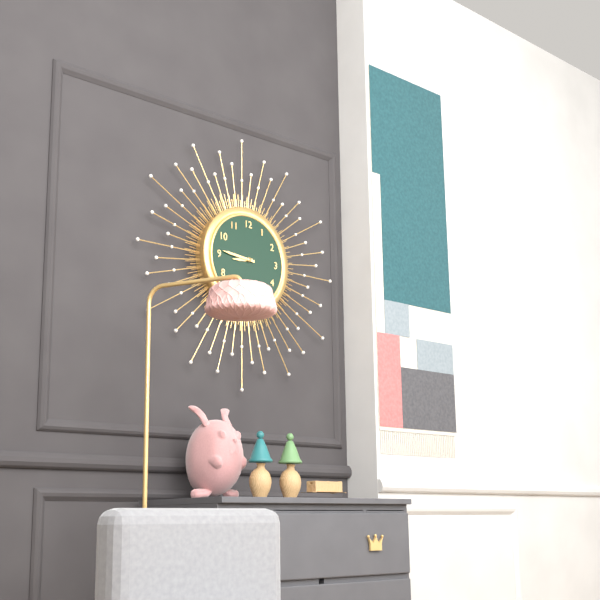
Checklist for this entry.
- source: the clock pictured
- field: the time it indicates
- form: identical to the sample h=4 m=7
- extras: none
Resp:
h=8 m=46
